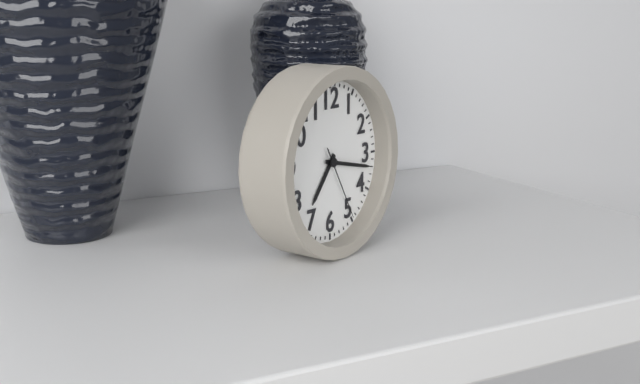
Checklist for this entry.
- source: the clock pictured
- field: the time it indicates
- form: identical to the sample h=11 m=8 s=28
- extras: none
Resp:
h=7 m=17 s=25
